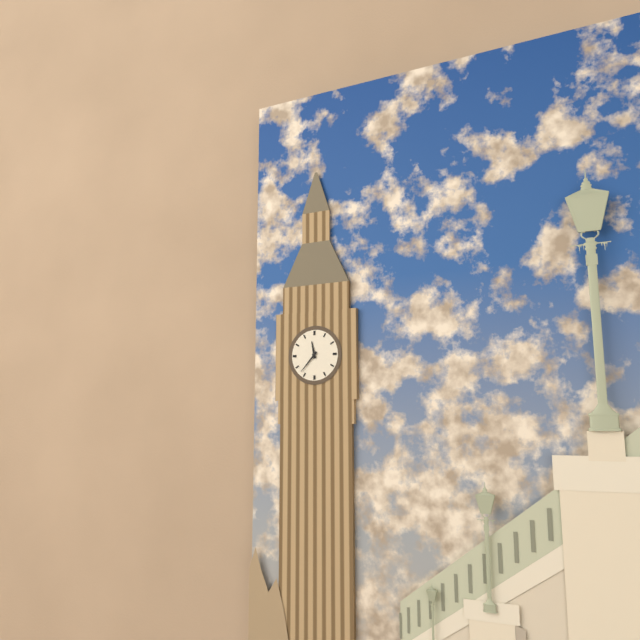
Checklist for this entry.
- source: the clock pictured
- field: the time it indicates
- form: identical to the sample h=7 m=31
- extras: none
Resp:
h=11 m=37
